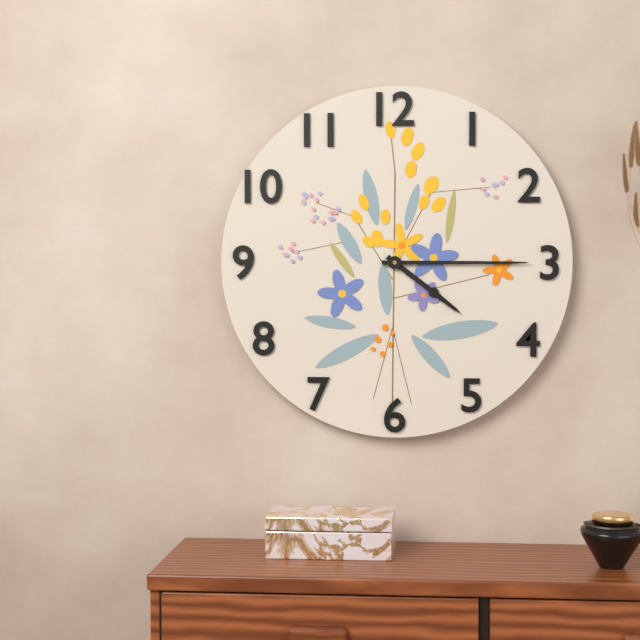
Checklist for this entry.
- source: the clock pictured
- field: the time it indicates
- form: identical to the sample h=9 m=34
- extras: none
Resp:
h=4 m=15
